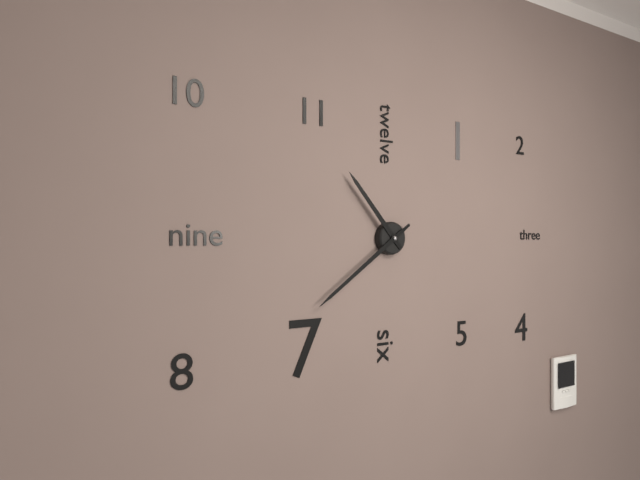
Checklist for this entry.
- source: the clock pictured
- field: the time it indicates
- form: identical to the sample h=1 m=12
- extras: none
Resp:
h=10 m=39
